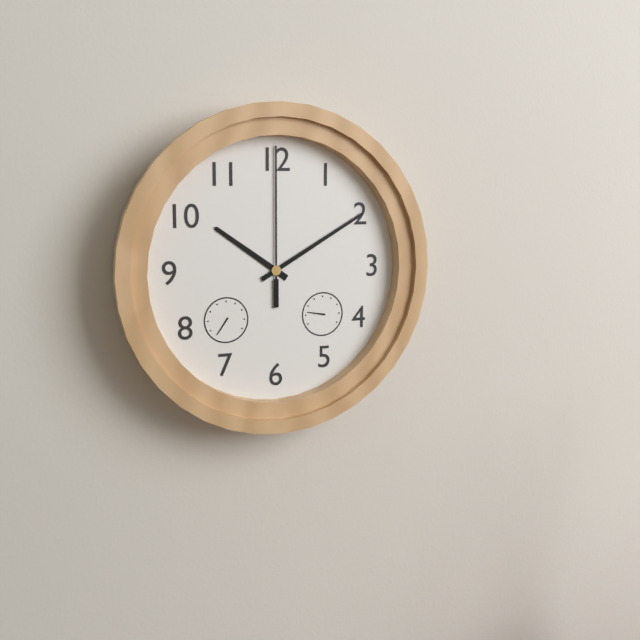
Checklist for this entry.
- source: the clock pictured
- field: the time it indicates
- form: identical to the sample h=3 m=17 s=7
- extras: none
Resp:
h=10 m=10 s=0
